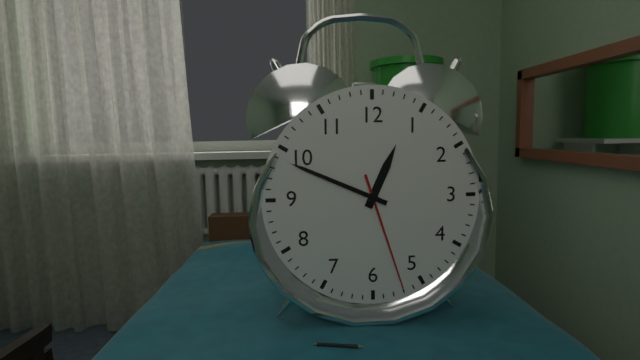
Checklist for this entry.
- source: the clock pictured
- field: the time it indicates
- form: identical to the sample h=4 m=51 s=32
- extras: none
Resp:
h=12 m=49 s=27
